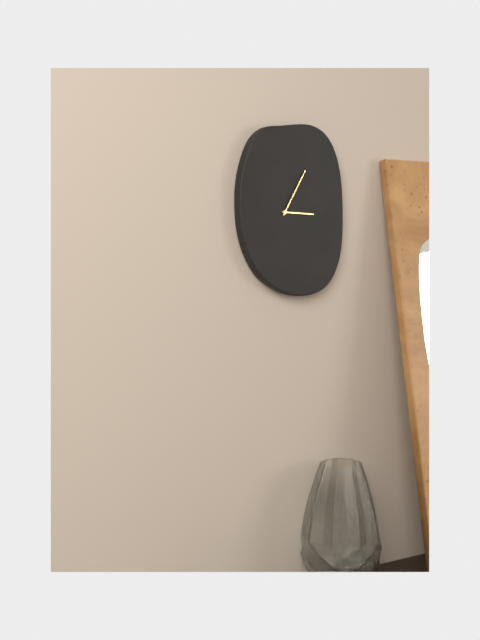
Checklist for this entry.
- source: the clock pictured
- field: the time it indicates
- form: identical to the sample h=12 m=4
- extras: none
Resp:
h=3 m=5
